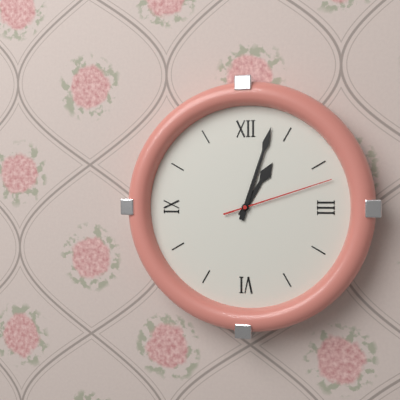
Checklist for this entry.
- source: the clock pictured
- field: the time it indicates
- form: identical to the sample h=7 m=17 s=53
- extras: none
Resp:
h=1 m=3 s=12
